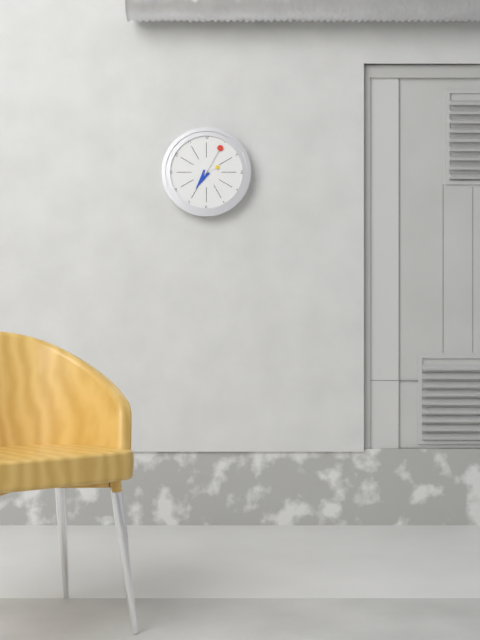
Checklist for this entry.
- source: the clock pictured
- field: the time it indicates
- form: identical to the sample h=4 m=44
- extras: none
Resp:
h=7 m=5
